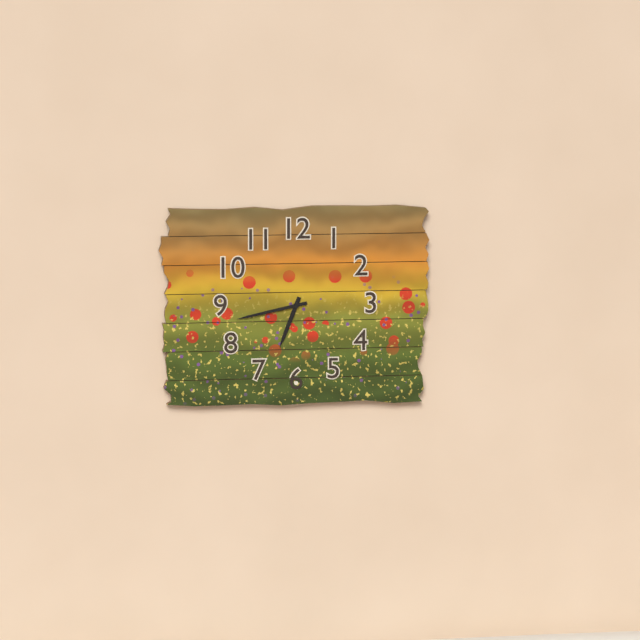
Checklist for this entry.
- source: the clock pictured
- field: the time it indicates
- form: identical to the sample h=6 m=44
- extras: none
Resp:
h=6 m=43
